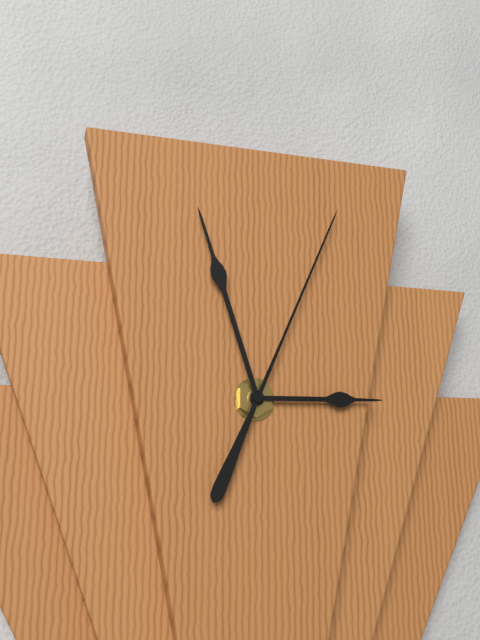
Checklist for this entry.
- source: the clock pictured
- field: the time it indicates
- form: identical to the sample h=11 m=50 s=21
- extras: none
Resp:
h=2 m=57 s=4
